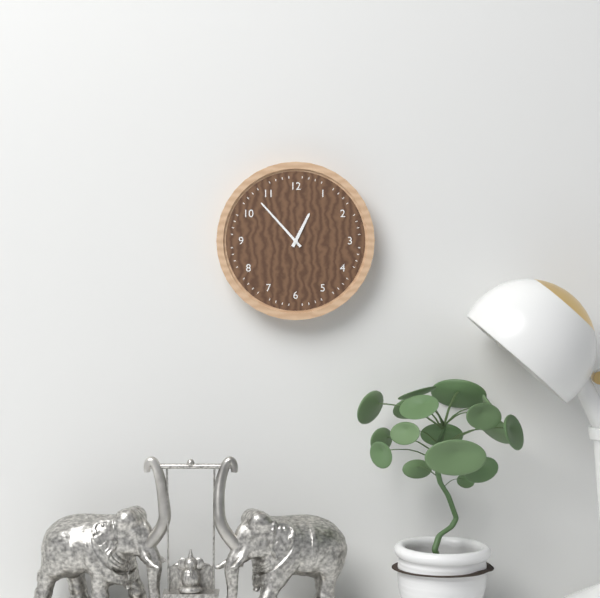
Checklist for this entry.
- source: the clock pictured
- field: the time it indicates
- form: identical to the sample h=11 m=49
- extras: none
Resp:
h=12 m=53
